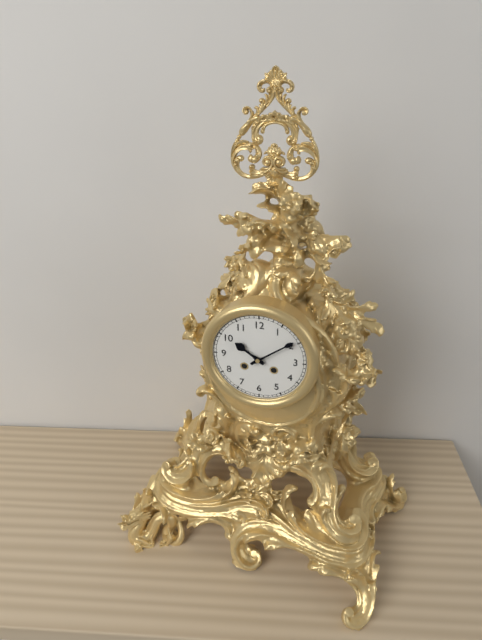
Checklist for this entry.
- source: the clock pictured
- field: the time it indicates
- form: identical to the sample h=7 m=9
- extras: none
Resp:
h=10 m=9
